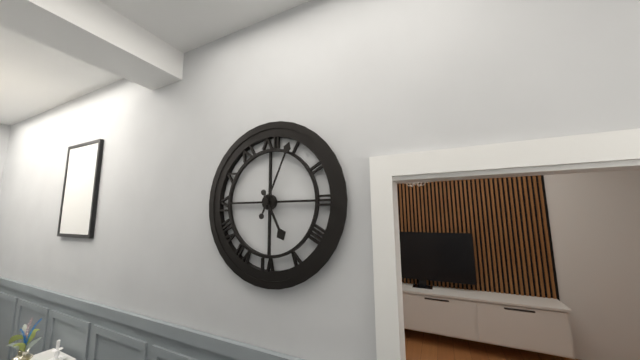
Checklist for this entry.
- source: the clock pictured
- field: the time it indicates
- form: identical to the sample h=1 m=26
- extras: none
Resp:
h=5 m=4
